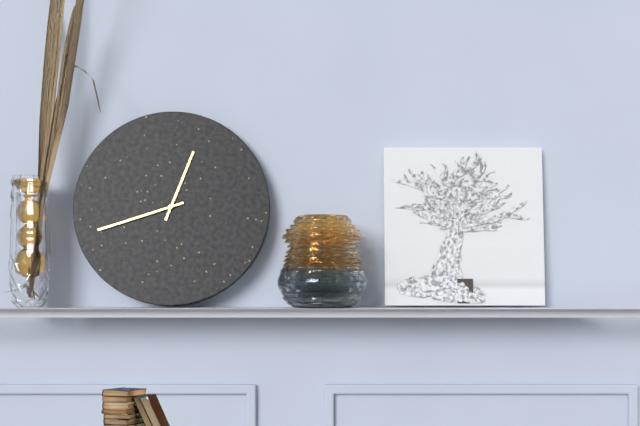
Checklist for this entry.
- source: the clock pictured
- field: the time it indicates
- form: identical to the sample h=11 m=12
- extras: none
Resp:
h=12 m=42
